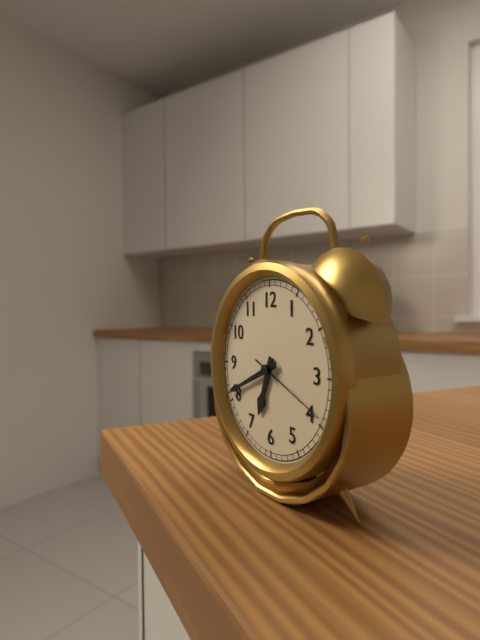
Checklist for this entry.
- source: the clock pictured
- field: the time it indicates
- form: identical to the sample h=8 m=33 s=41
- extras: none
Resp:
h=6 m=41 s=19
